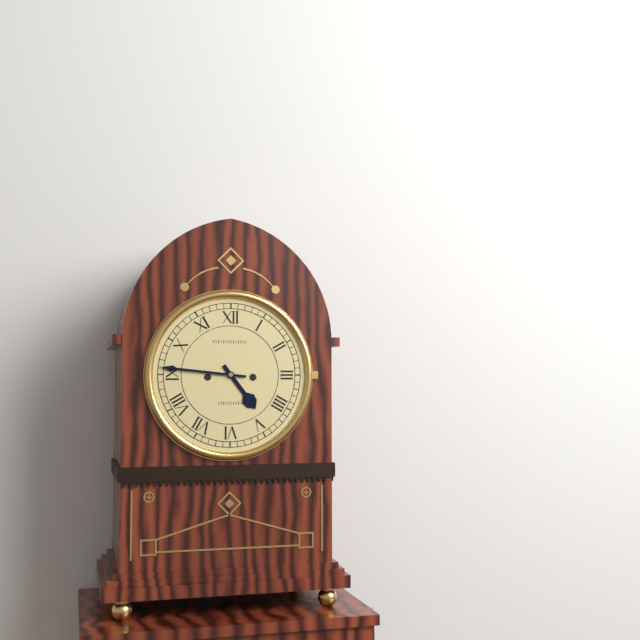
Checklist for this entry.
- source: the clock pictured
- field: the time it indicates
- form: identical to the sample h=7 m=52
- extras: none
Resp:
h=4 m=46
